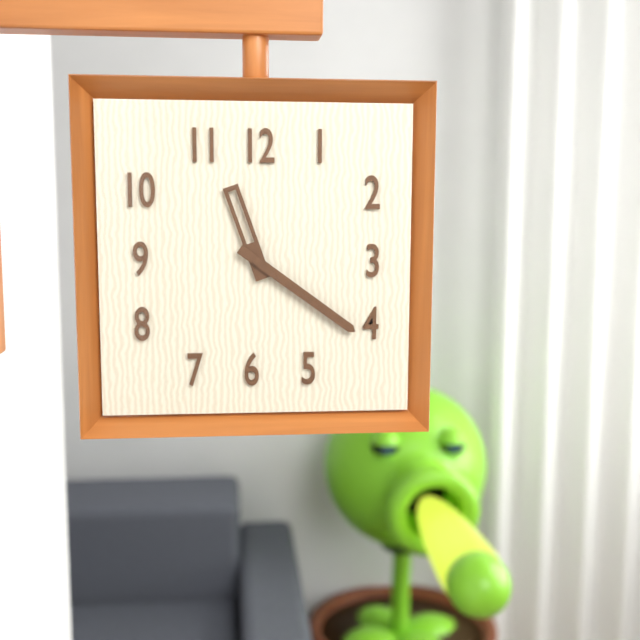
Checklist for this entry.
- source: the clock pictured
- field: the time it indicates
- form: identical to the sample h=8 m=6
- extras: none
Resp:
h=11 m=21
